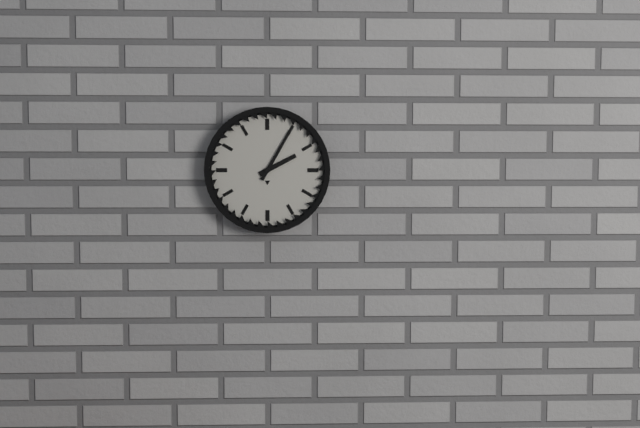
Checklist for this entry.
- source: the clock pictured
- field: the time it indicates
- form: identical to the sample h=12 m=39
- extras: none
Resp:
h=2 m=5
